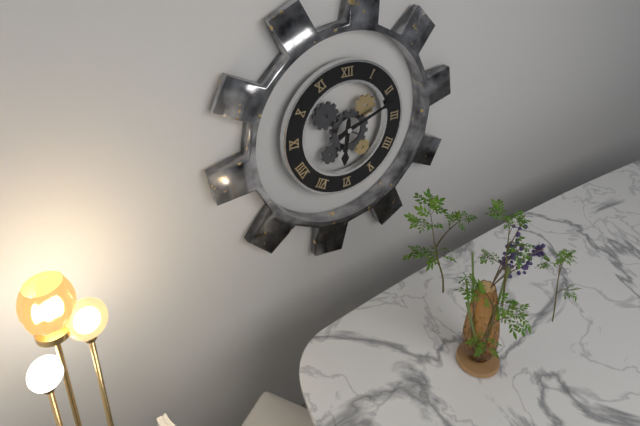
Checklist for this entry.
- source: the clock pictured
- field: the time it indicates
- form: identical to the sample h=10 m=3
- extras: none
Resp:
h=6 m=12
